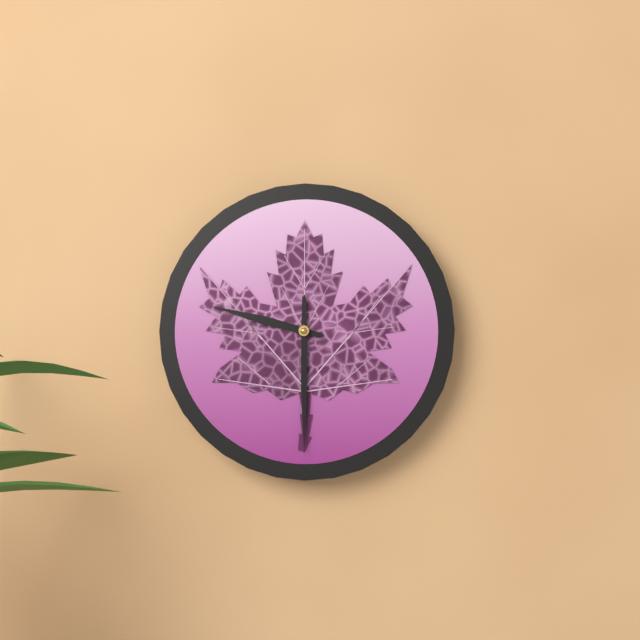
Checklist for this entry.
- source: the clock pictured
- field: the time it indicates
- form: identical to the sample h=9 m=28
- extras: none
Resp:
h=9 m=30
